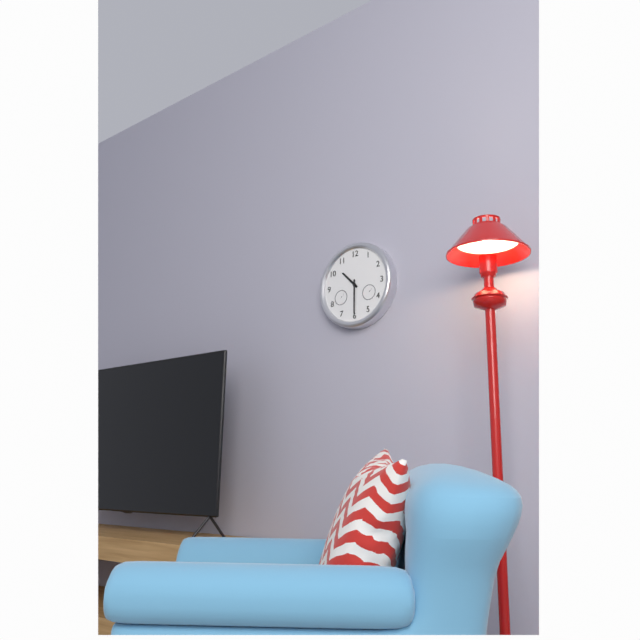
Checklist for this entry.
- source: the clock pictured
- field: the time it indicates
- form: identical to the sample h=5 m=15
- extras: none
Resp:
h=10 m=30
